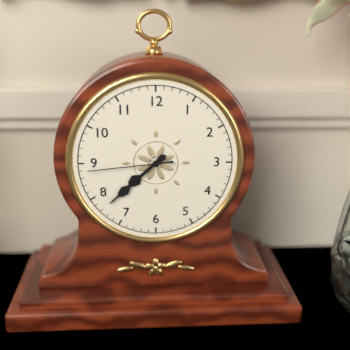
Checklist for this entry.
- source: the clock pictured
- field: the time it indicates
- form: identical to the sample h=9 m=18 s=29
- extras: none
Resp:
h=7 m=38 s=44
